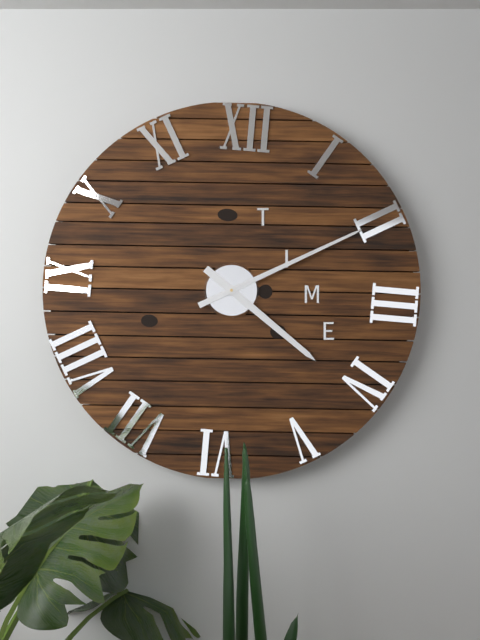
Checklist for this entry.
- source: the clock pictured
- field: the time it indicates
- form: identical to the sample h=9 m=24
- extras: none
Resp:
h=4 m=10
